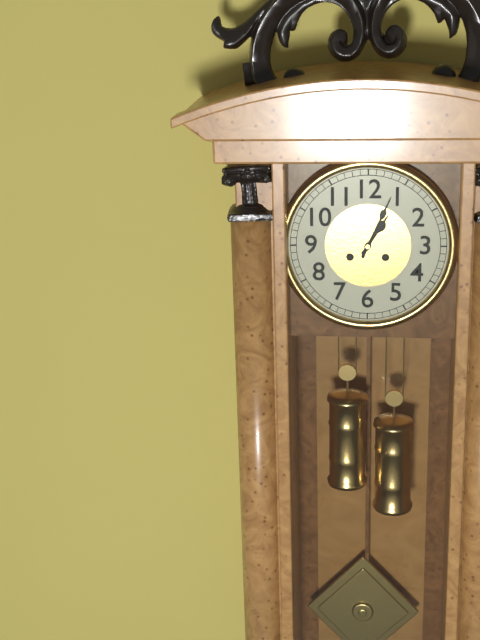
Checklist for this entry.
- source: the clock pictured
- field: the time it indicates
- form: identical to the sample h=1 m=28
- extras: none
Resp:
h=1 m=4
